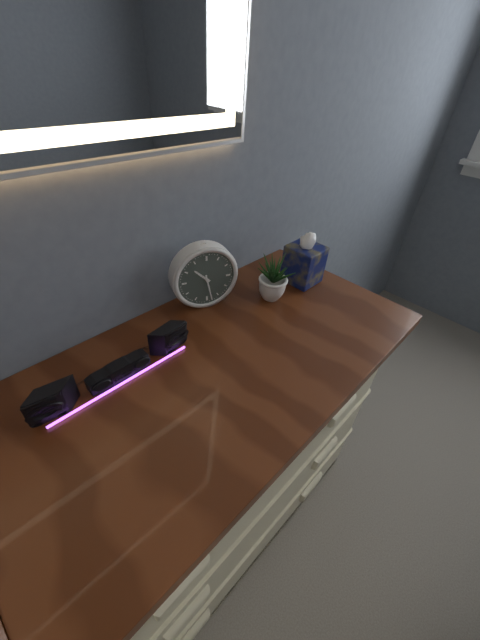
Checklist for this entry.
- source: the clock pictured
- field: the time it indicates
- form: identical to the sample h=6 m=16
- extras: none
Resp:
h=10 m=28
